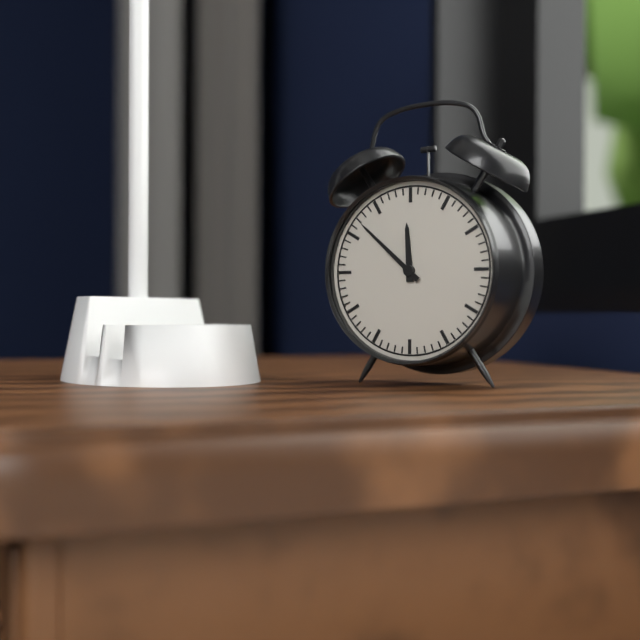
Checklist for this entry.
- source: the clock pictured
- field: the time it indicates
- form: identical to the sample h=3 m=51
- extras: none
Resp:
h=11 m=52
